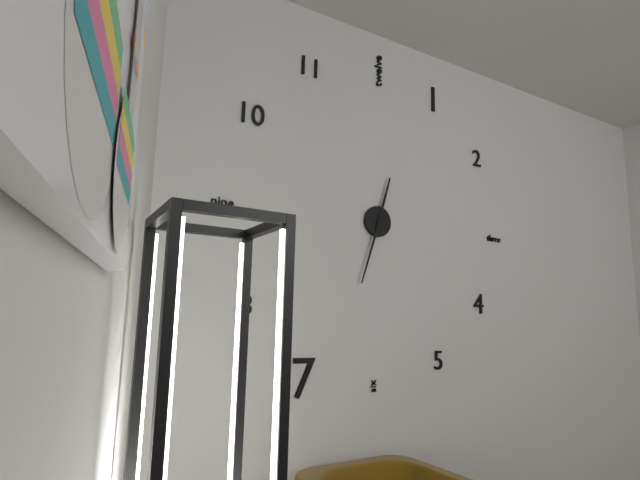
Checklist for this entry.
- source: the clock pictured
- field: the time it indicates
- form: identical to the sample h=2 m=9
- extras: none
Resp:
h=12 m=33
